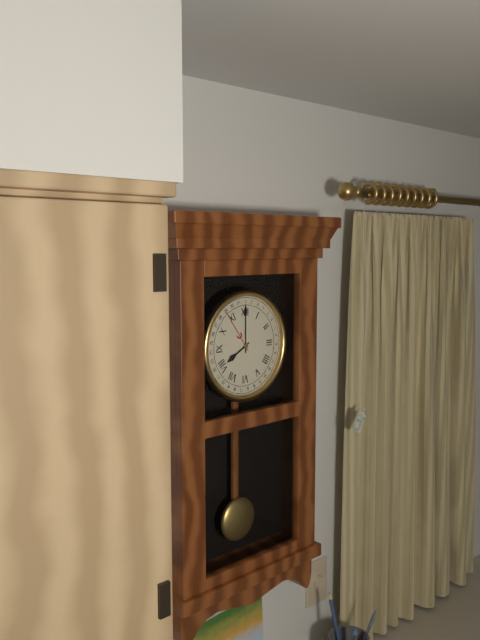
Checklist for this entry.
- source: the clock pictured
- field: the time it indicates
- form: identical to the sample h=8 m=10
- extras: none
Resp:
h=8 m=0
